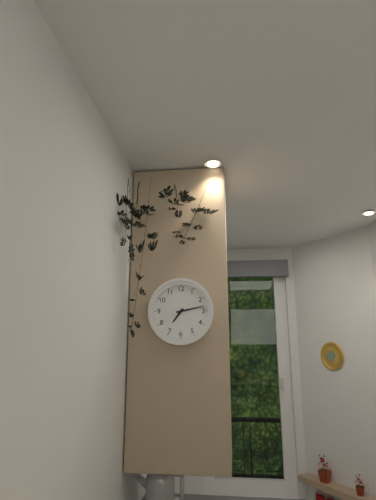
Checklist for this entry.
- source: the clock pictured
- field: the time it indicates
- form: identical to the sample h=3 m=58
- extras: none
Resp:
h=7 m=13
